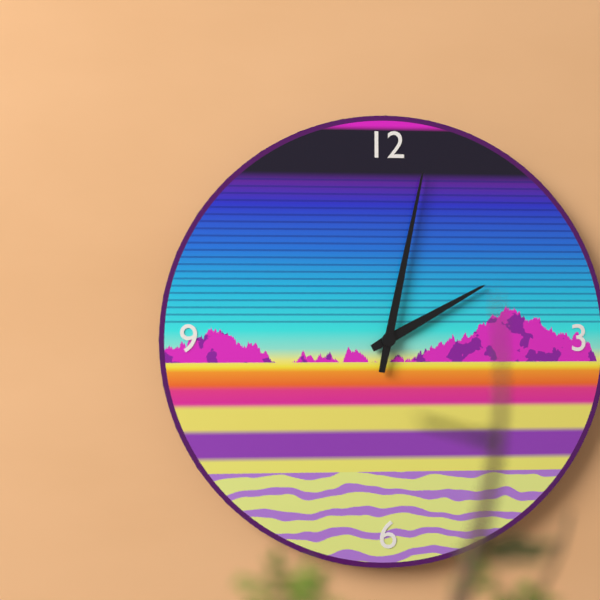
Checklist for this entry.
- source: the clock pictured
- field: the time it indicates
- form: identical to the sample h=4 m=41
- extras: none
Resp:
h=2 m=2
